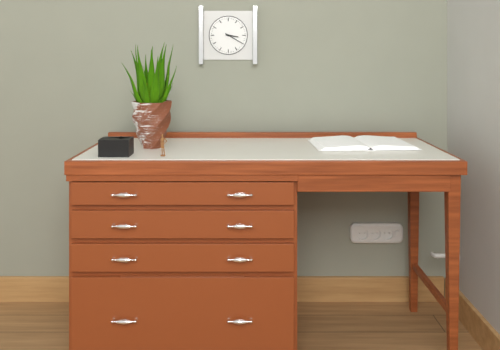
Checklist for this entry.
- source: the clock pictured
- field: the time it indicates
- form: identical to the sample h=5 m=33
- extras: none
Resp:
h=3 m=20
